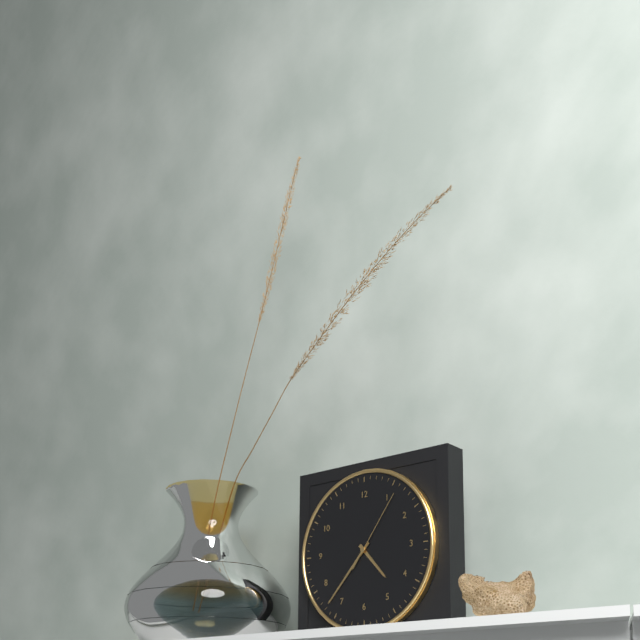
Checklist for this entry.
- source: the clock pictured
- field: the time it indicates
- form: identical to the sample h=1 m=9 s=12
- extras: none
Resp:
h=4 m=37 s=6
